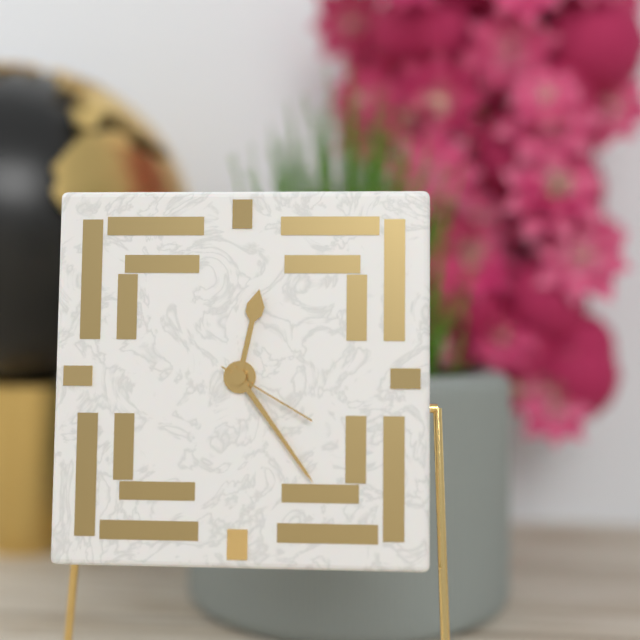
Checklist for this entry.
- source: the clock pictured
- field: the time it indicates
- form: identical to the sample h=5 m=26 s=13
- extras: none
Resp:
h=12 m=24 s=20
